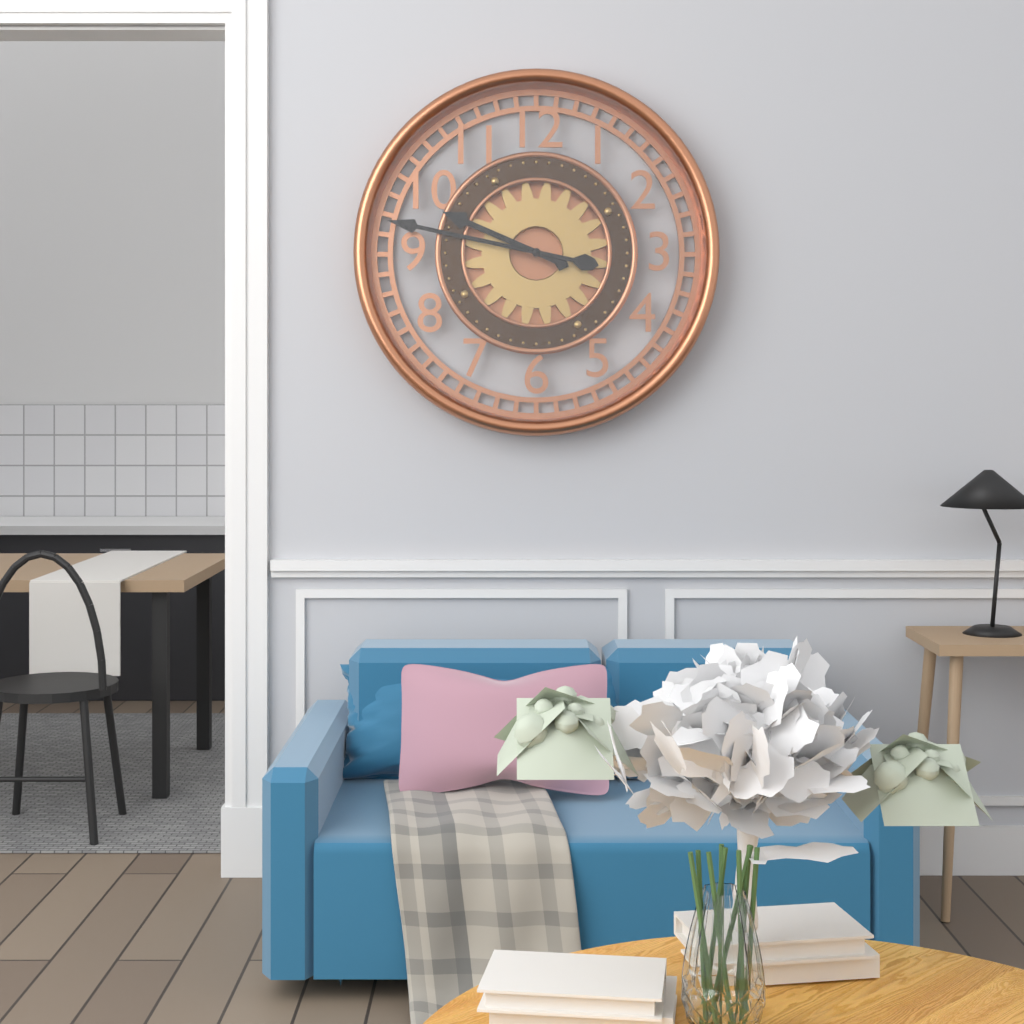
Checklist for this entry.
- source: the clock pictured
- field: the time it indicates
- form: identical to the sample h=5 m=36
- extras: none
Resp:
h=9 m=47
